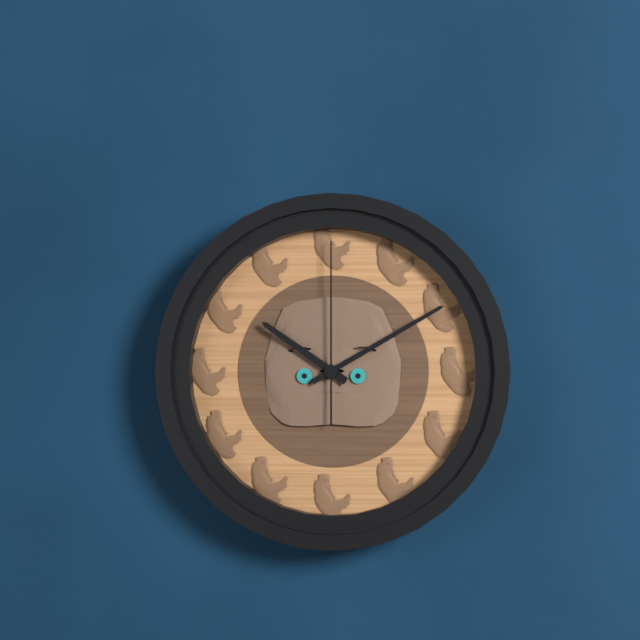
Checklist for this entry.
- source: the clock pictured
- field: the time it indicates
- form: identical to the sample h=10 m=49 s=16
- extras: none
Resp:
h=10 m=10 s=0
